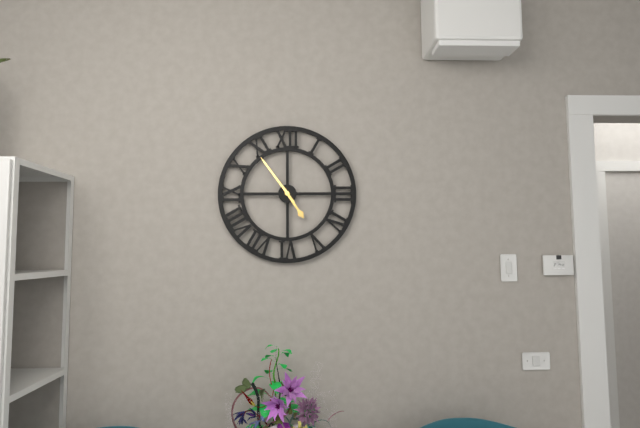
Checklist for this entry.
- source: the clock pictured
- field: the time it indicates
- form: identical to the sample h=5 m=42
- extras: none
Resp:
h=4 m=54
